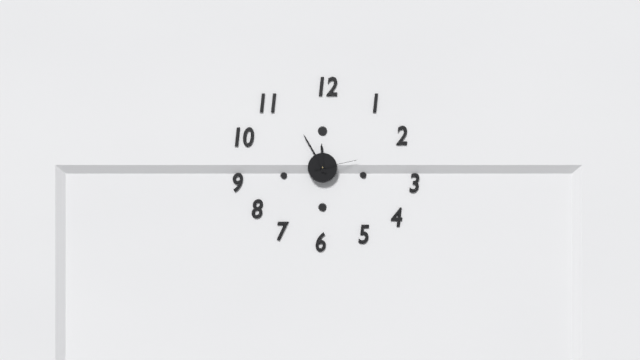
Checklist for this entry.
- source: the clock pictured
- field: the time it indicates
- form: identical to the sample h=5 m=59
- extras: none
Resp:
h=11 m=55
